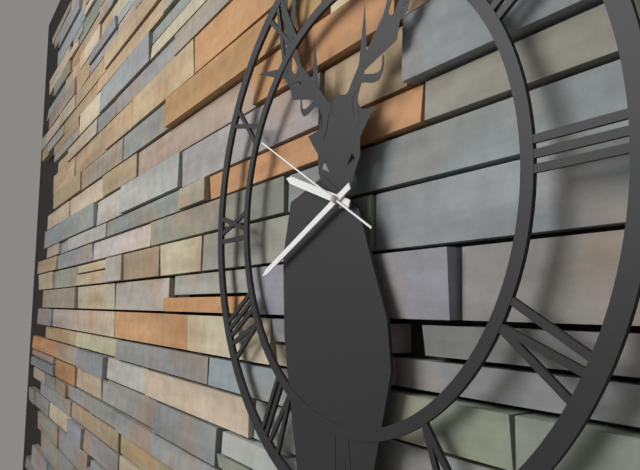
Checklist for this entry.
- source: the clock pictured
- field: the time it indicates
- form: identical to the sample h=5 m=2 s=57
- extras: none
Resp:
h=9 m=41 s=50
